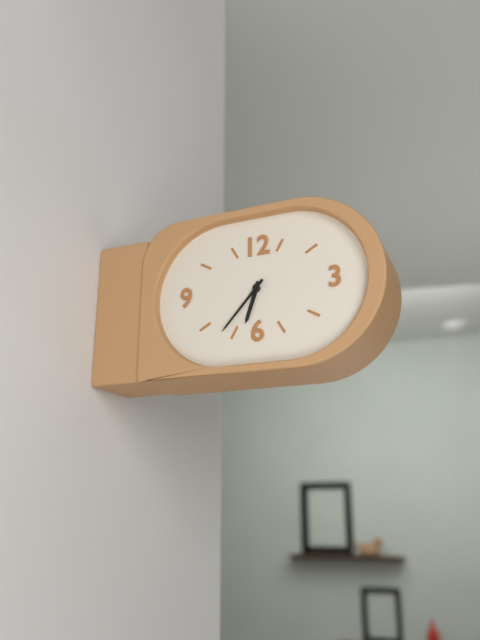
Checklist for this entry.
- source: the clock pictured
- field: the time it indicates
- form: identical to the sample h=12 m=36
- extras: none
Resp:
h=6 m=37
